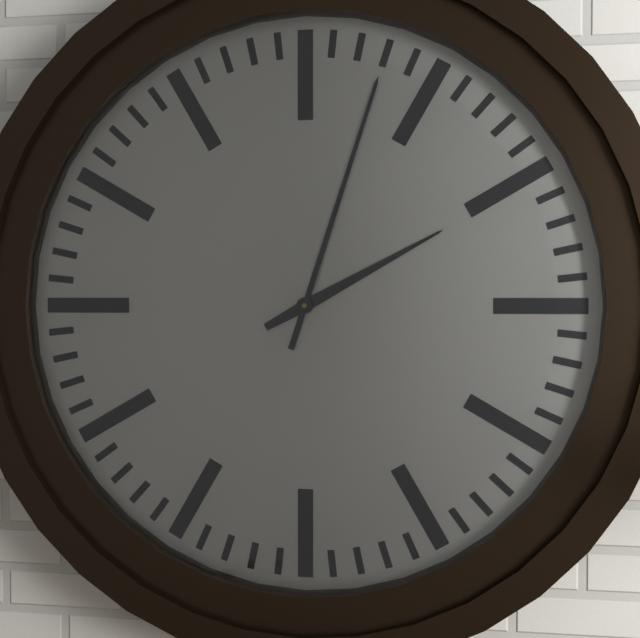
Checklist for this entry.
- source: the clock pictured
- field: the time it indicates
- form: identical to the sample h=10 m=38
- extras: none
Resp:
h=2 m=3
